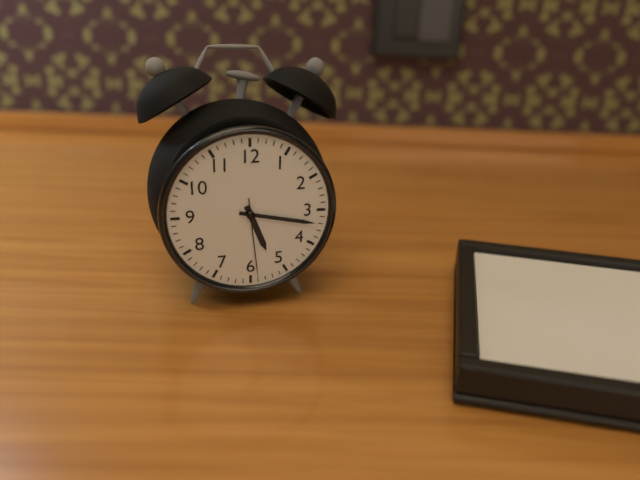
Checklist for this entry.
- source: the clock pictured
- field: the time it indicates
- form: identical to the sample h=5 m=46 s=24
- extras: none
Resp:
h=5 m=17 s=29
